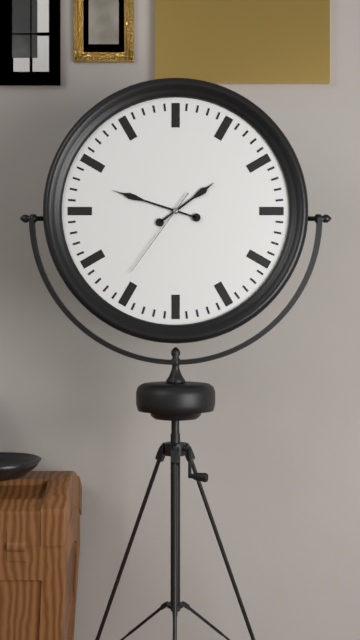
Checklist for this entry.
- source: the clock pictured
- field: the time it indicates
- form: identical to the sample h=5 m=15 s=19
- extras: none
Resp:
h=1 m=48 s=36
